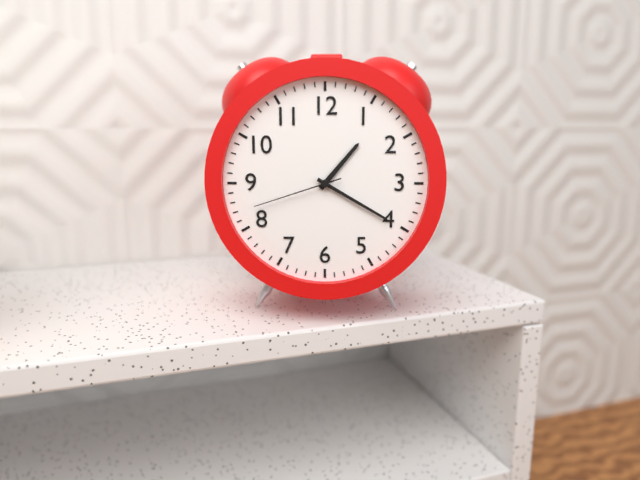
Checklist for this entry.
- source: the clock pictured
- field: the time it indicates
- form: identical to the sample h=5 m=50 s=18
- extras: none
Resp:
h=1 m=20 s=42
